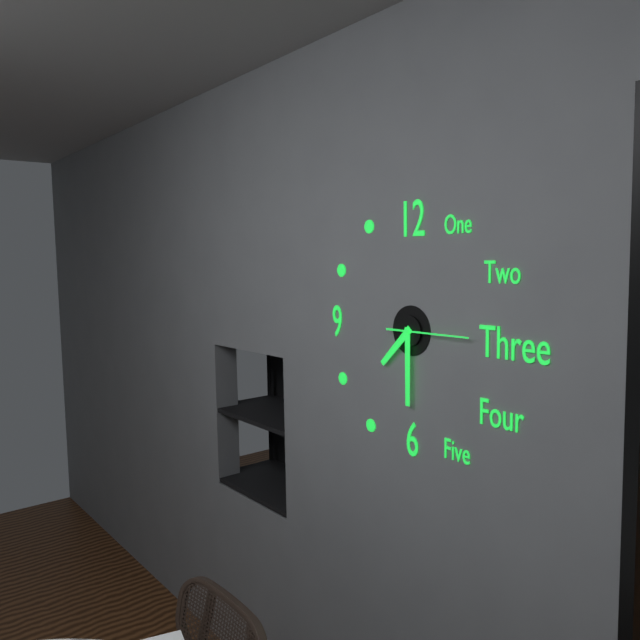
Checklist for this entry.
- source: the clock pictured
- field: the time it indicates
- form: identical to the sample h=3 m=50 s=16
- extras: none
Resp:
h=7 m=30 s=15
